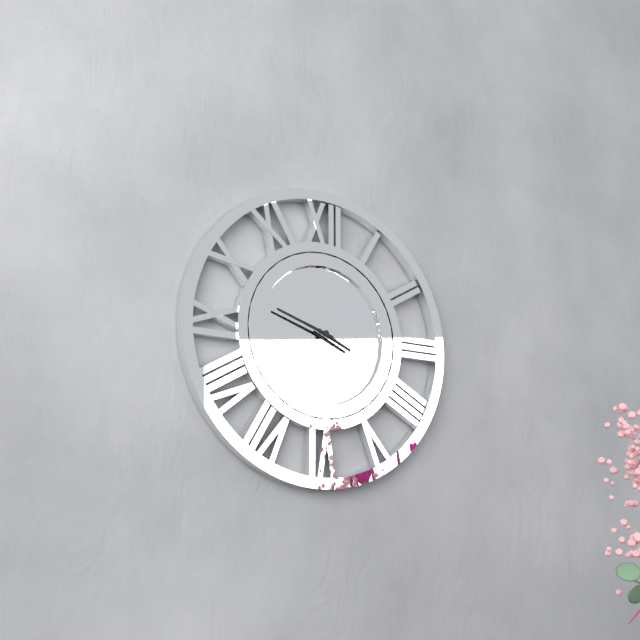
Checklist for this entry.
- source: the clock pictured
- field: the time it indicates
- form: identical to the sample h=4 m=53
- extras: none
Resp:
h=3 m=48
